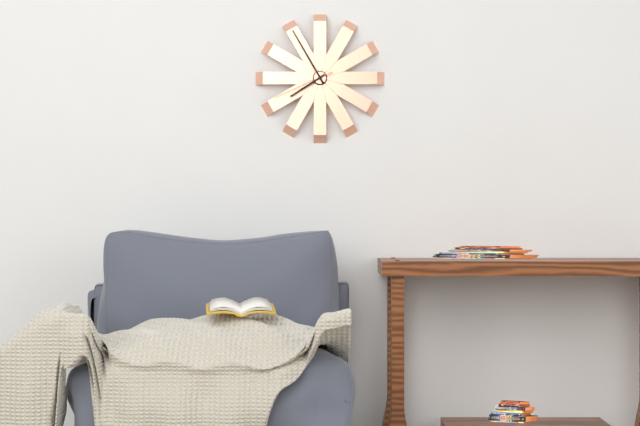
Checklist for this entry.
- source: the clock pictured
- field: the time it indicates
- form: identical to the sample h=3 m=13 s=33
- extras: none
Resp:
h=7 m=55 s=41
